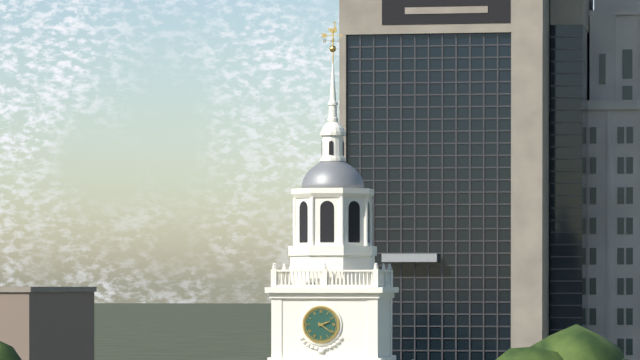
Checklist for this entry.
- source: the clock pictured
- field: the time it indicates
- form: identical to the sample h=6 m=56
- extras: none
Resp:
h=2 m=21
